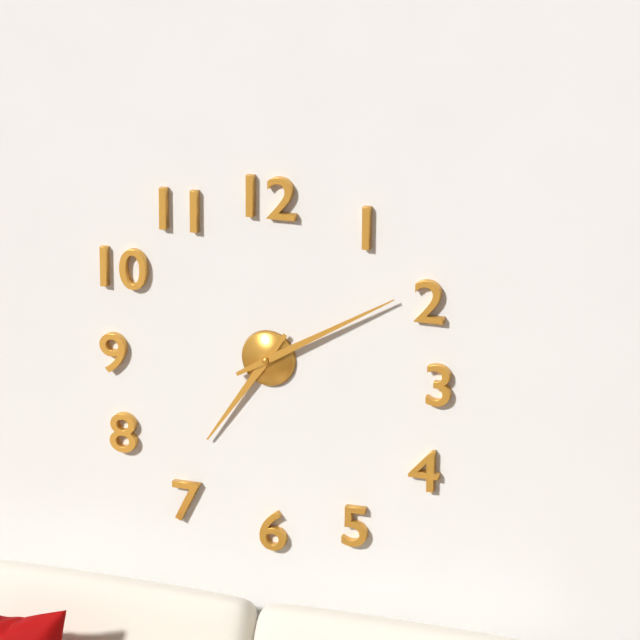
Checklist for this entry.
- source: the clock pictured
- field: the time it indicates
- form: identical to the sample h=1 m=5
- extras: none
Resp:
h=7 m=10
